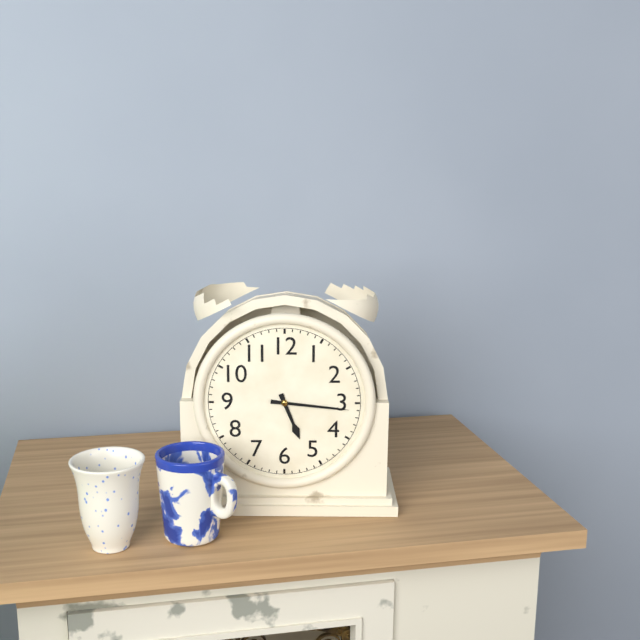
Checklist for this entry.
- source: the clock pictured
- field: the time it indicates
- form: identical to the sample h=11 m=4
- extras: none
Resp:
h=5 m=16
